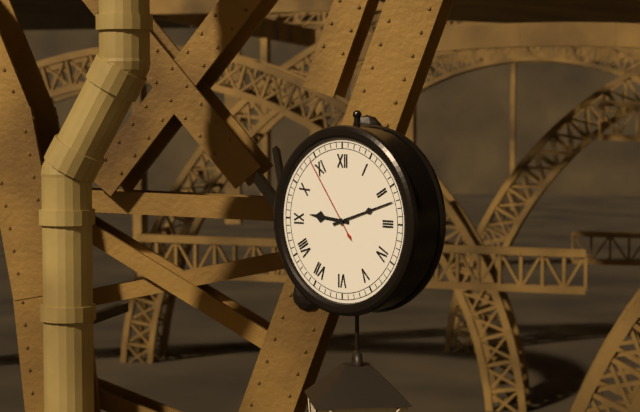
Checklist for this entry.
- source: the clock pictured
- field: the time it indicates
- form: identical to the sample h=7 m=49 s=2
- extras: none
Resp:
h=9 m=12 s=54
